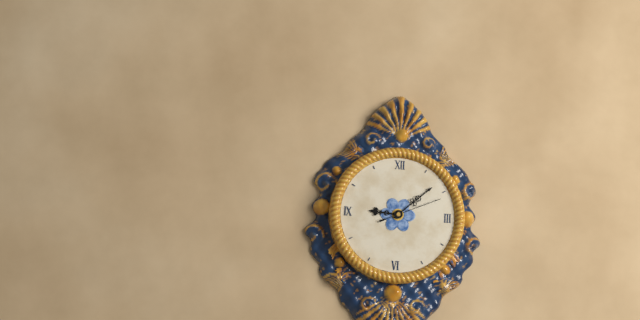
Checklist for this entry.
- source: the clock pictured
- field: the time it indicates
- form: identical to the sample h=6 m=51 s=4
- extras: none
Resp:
h=9 m=8 s=11
